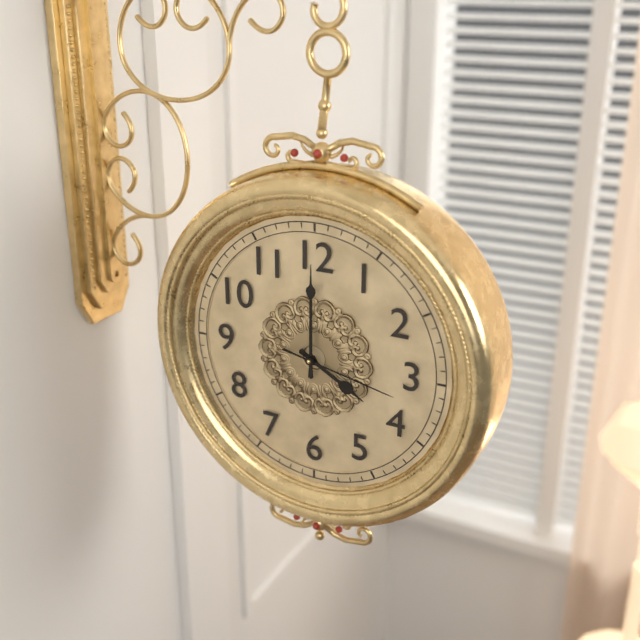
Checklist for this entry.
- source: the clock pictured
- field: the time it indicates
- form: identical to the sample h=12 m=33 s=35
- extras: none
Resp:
h=4 m=0 s=17
